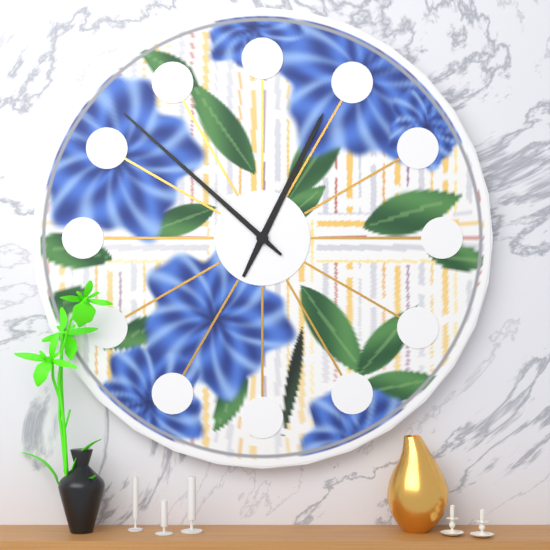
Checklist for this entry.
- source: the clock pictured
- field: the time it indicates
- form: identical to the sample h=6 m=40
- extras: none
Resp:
h=12 m=52
